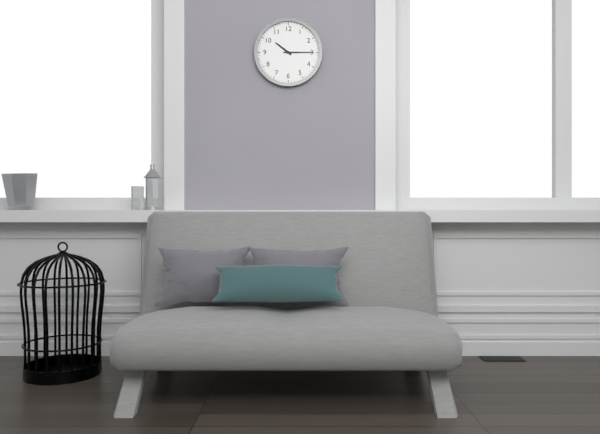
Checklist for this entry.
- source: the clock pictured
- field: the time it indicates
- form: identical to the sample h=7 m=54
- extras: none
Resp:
h=10 m=15
